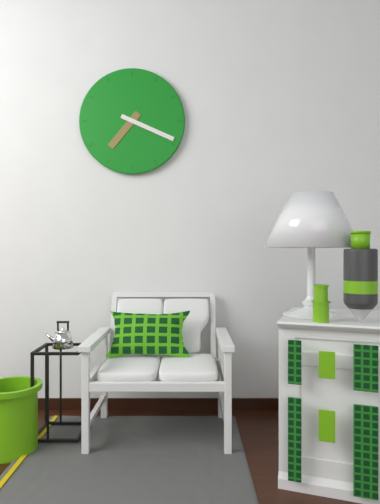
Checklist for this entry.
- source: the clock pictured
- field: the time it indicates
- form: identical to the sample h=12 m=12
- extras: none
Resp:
h=7 m=19
